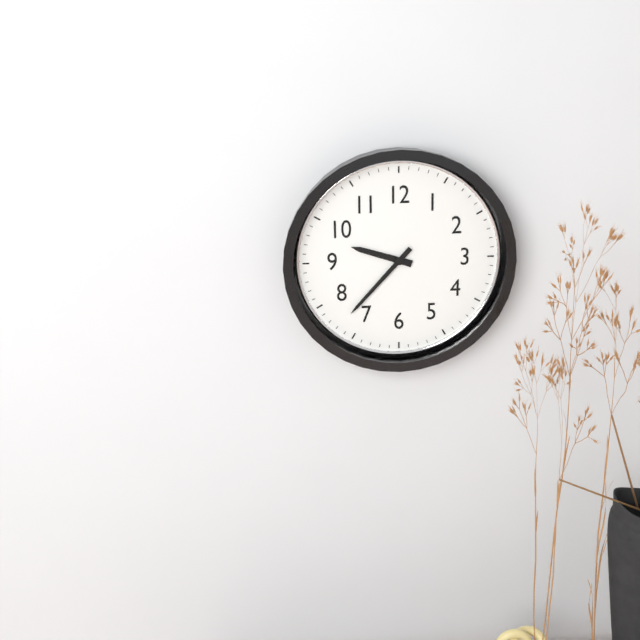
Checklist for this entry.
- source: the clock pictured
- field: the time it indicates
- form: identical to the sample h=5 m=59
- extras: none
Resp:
h=9 m=37
